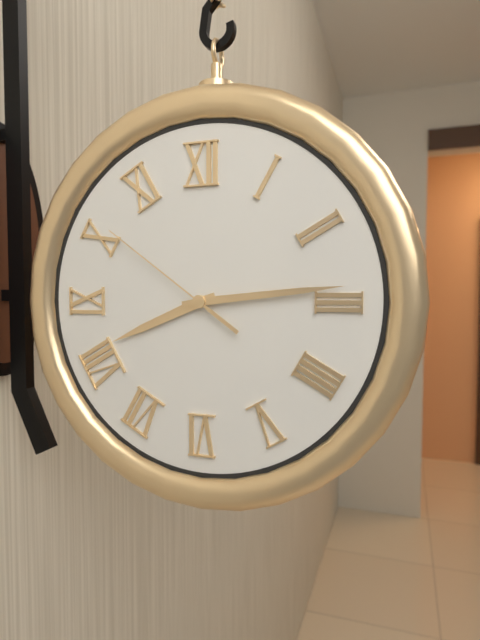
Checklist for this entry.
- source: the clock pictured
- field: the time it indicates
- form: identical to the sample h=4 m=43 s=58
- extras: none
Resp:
h=8 m=14 s=51
